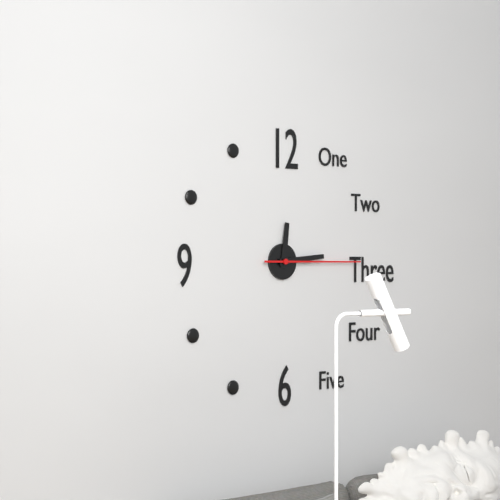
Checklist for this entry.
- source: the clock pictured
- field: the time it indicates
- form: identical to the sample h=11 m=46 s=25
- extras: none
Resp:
h=12 m=14 s=15
